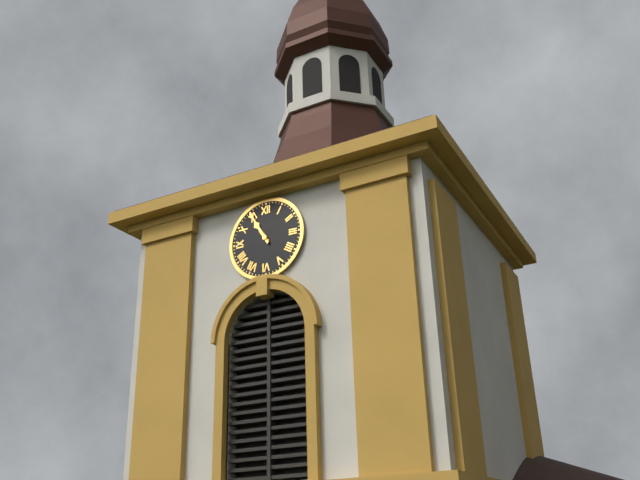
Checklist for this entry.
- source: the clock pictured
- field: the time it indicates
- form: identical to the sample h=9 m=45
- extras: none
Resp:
h=10 m=55
